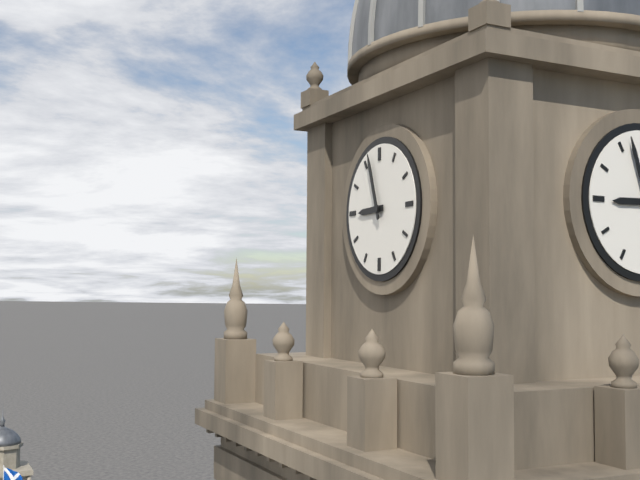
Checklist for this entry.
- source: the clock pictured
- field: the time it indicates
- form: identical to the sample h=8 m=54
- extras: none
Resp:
h=8 m=57
